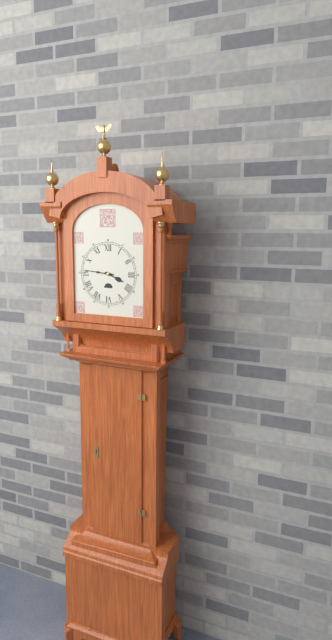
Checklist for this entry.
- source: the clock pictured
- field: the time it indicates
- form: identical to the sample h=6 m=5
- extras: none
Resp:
h=3 m=46
